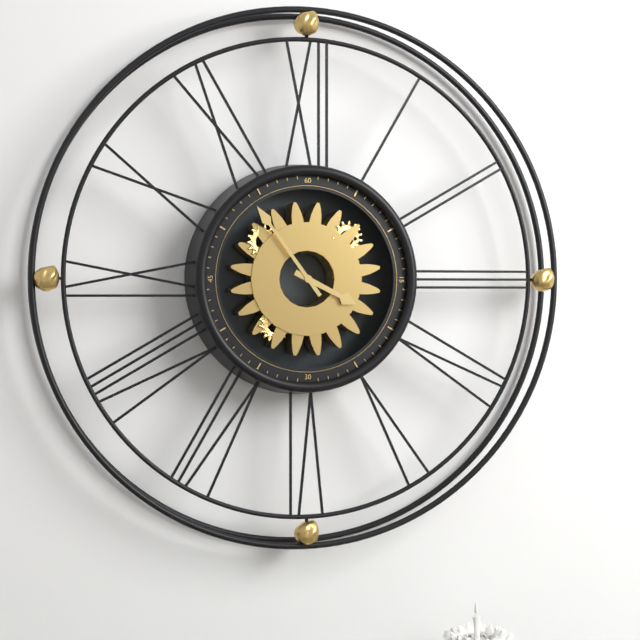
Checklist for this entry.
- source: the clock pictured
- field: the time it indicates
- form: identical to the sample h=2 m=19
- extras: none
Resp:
h=3 m=54
